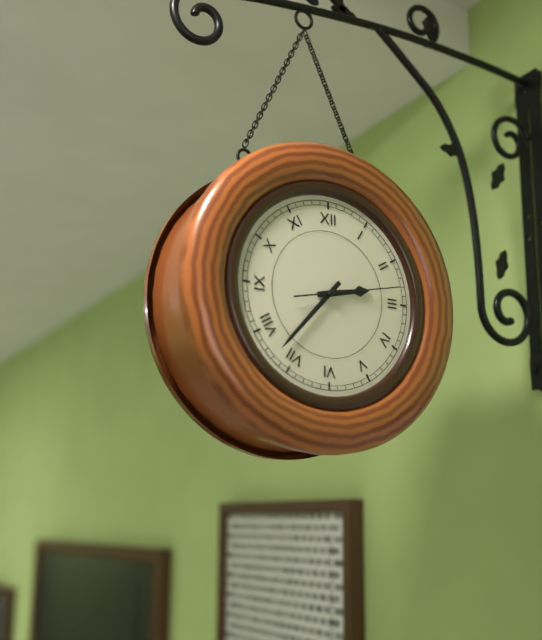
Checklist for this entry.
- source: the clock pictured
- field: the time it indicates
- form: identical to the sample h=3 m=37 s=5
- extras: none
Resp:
h=2 m=37 s=13
